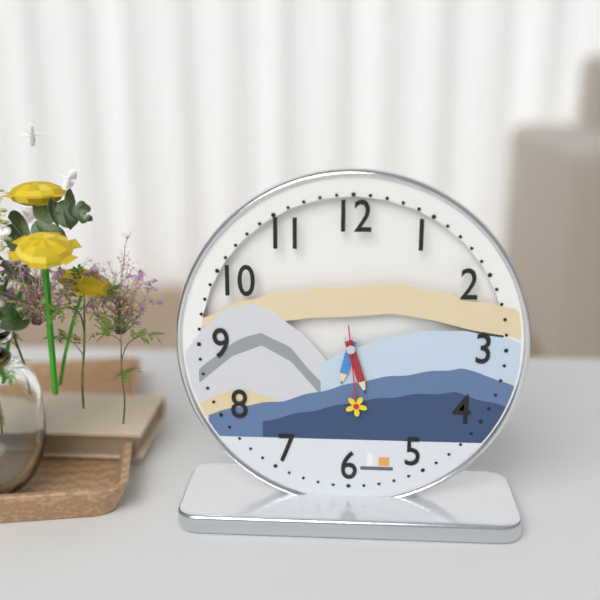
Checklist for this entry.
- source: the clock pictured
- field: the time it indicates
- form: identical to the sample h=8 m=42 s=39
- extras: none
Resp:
h=6 m=27 s=29
